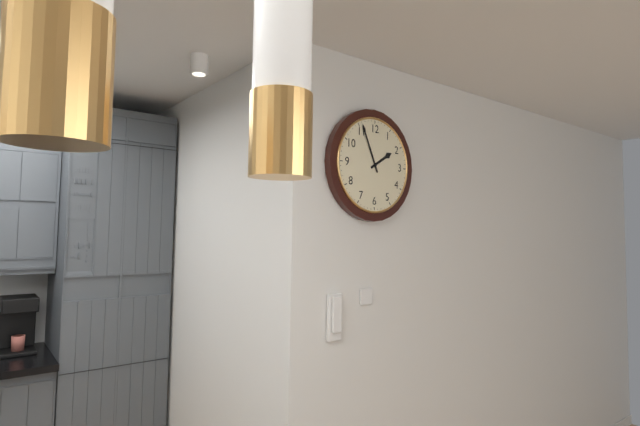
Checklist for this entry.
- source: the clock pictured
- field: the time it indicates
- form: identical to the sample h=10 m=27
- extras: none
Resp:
h=1 m=56
